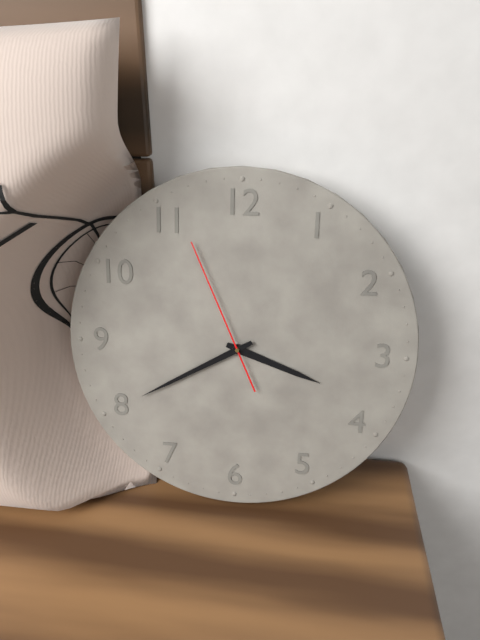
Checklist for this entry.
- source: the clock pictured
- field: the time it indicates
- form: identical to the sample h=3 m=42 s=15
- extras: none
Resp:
h=3 m=40 s=56
